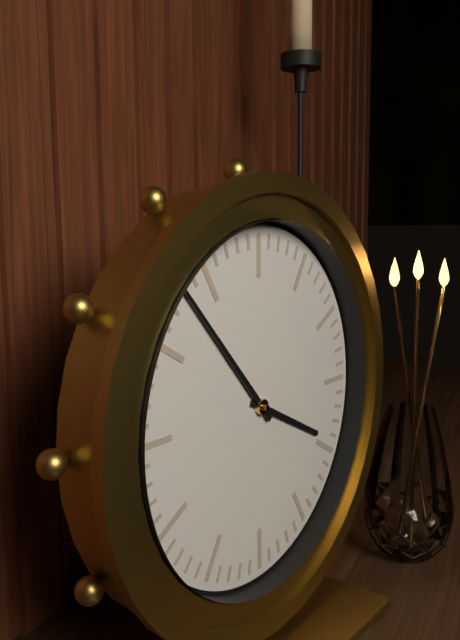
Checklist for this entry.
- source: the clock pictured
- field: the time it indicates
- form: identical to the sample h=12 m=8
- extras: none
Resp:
h=3 m=53
